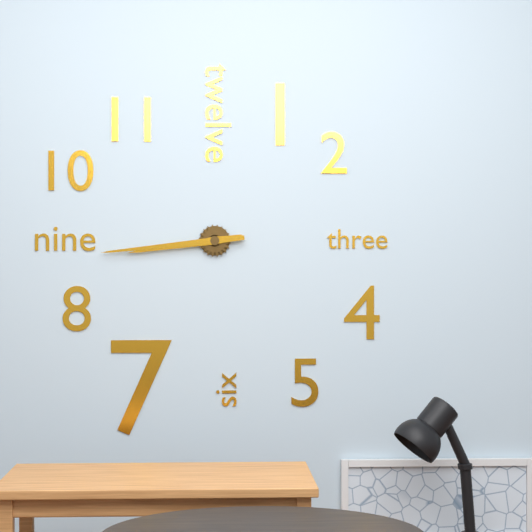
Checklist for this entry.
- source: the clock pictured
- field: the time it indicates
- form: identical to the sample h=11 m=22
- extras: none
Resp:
h=8 m=44
